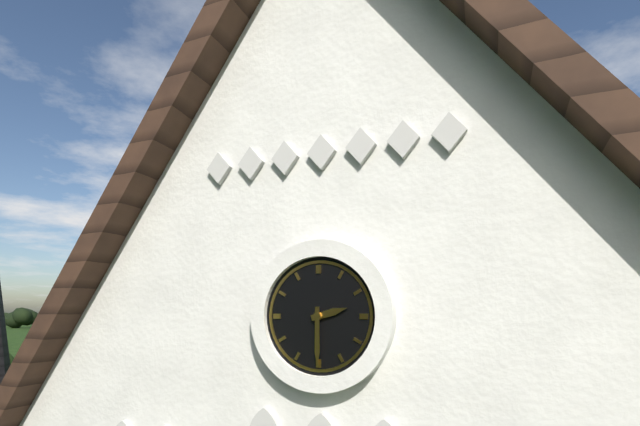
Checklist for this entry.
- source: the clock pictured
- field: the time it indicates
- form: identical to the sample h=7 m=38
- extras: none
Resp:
h=2 m=30
